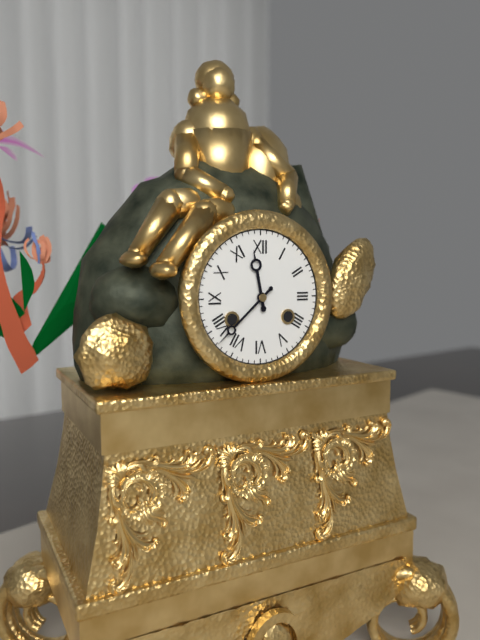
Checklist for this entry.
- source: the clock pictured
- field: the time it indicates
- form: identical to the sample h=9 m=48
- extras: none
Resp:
h=11 m=38
